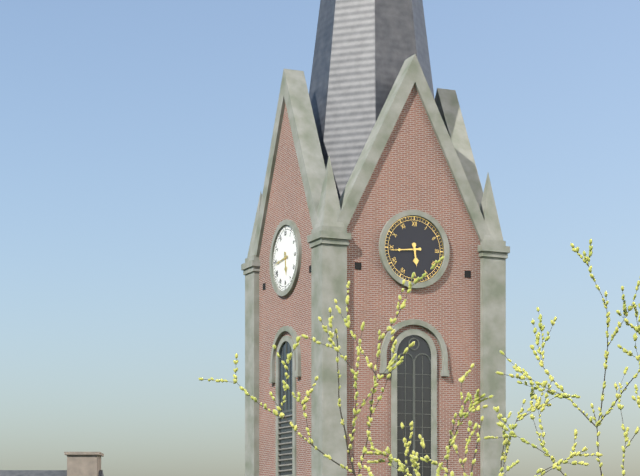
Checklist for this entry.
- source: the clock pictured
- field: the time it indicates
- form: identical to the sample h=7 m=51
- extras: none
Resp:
h=5 m=44
